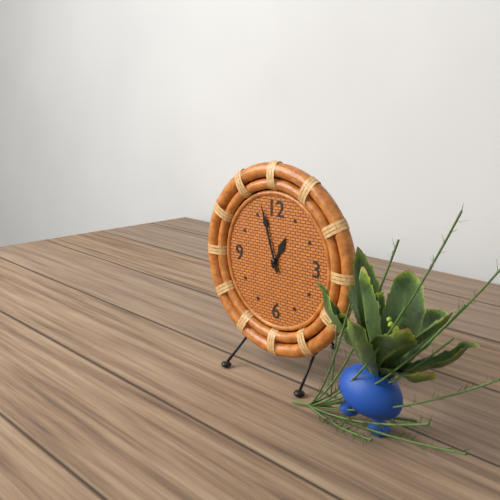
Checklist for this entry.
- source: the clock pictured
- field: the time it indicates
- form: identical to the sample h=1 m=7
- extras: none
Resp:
h=12 m=57
